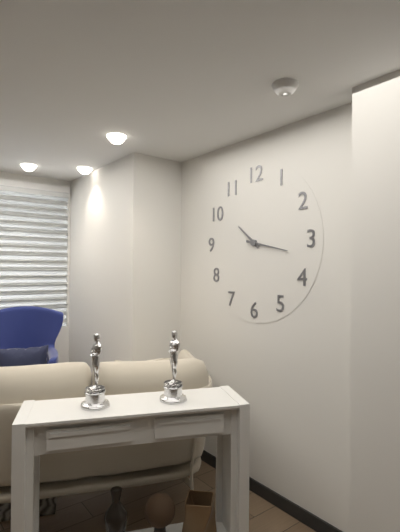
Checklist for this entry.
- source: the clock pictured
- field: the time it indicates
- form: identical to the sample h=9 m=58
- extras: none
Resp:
h=10 m=17
